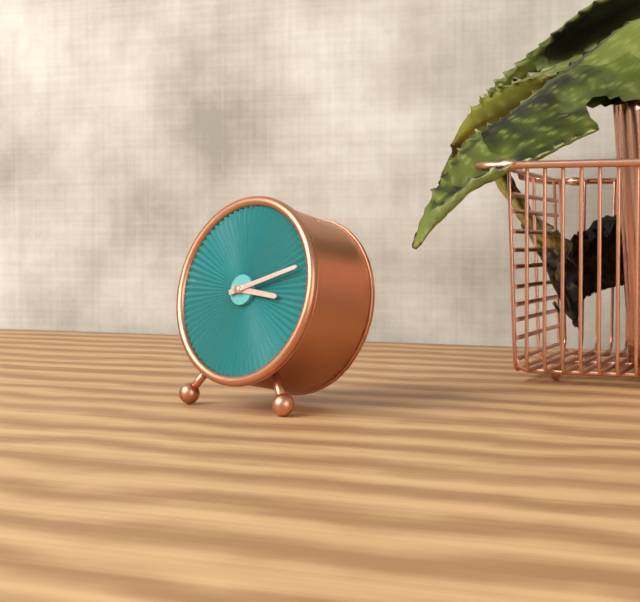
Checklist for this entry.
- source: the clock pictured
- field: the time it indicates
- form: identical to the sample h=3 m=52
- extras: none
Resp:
h=3 m=12
